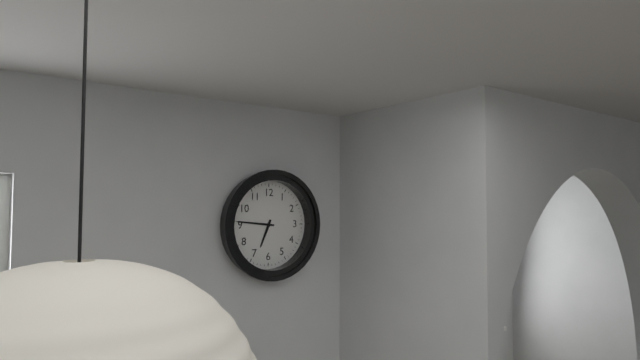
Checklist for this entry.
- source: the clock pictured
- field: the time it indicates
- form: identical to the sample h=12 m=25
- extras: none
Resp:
h=6 m=46
